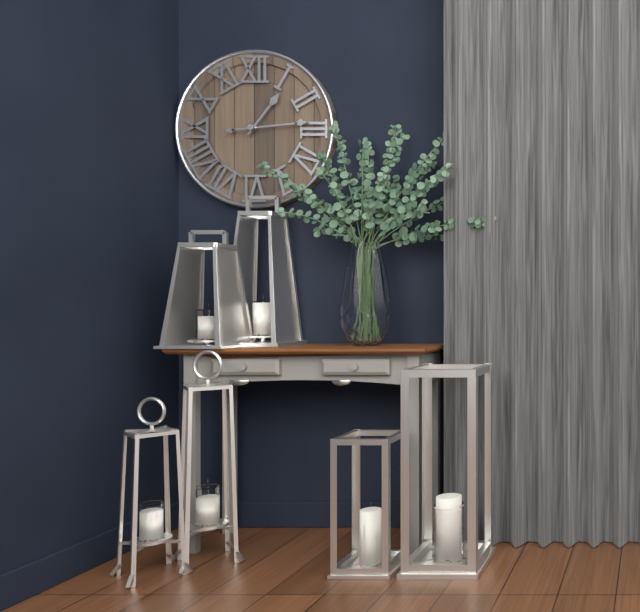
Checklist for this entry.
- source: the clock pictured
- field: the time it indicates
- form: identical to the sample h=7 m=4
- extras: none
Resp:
h=1 m=14
